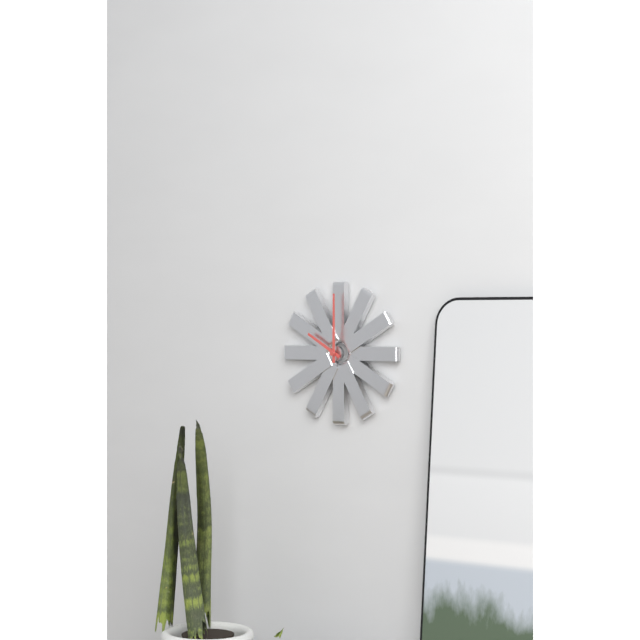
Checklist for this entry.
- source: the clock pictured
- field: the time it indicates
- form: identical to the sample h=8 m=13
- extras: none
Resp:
h=10 m=0
